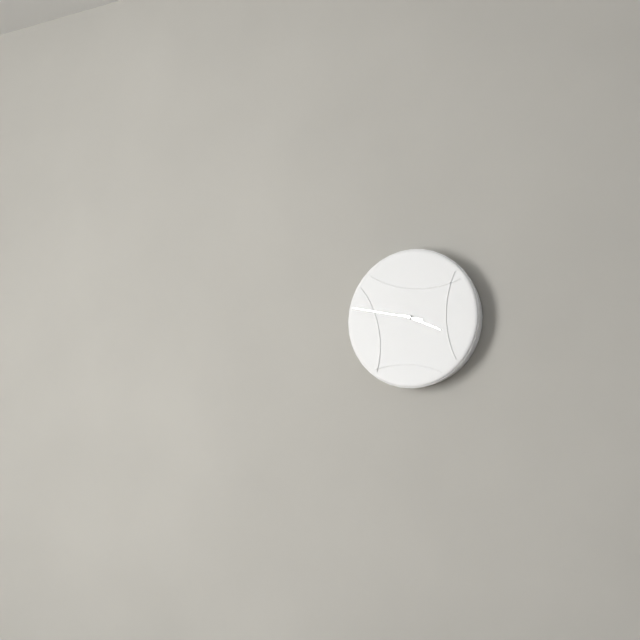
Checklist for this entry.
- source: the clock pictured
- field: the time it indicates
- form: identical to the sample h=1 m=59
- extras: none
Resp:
h=3 m=47
